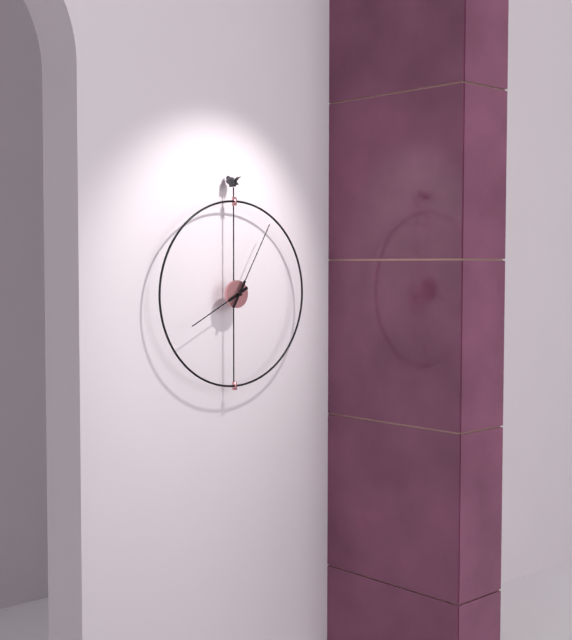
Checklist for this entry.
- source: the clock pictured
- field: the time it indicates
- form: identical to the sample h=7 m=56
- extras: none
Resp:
h=8 m=5
